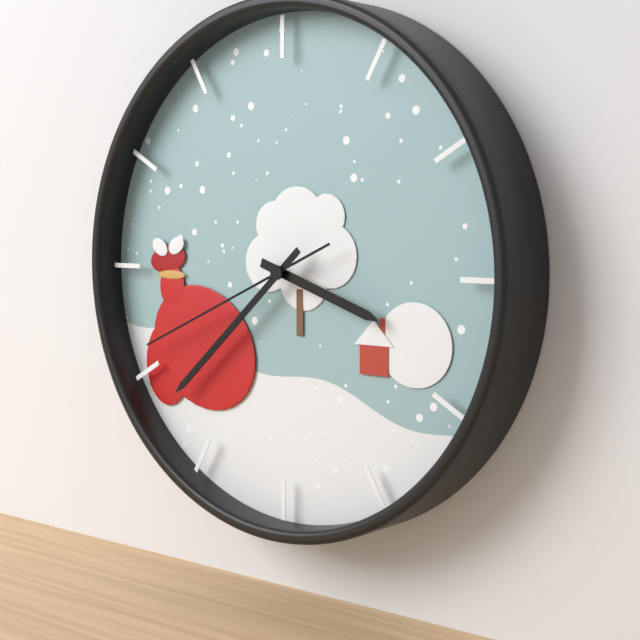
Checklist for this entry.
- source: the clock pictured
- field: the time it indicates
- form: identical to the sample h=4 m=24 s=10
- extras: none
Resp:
h=3 m=38 s=41
